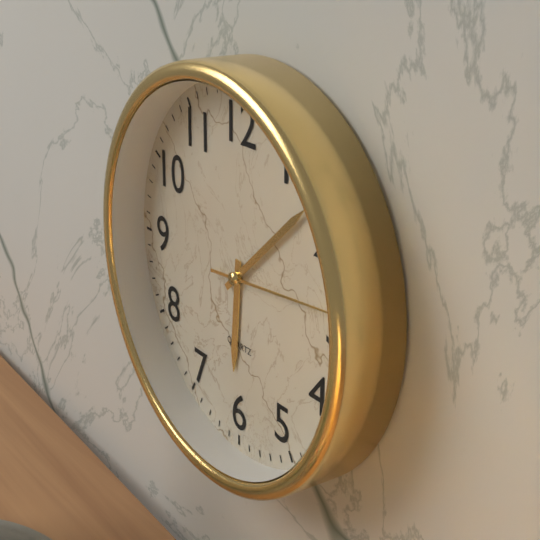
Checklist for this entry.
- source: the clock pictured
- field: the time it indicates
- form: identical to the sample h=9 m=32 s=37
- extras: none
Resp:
h=6 m=8 s=14
